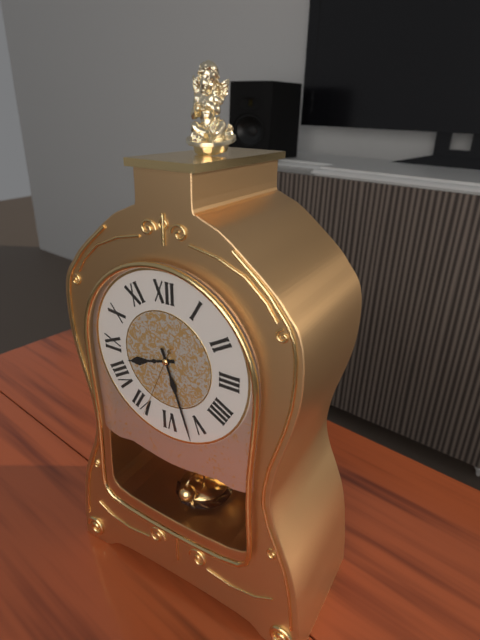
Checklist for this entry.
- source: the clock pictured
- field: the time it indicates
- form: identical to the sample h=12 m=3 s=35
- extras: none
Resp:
h=8 m=27 s=34
